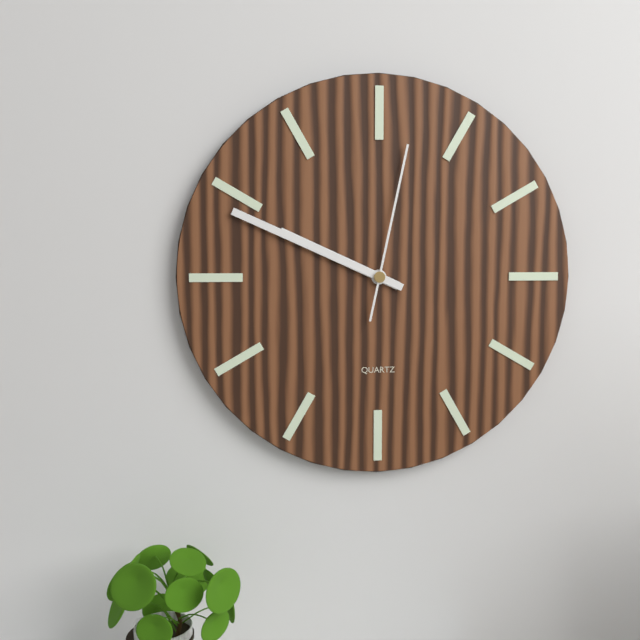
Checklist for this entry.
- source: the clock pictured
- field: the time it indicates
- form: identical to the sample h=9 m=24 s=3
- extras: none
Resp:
h=9 m=49 s=2
